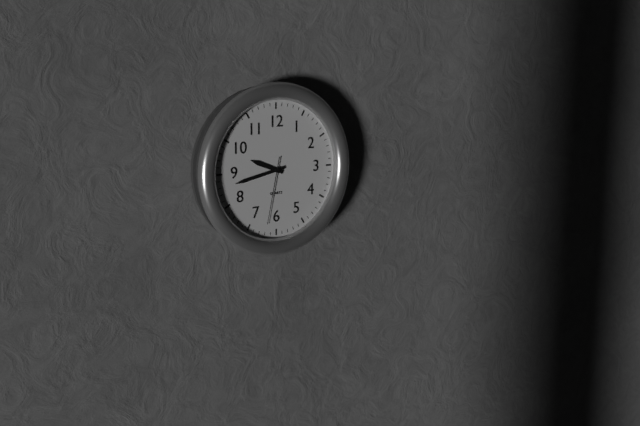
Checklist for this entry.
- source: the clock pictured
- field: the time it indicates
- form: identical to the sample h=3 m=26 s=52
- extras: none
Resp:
h=9 m=43 s=32
